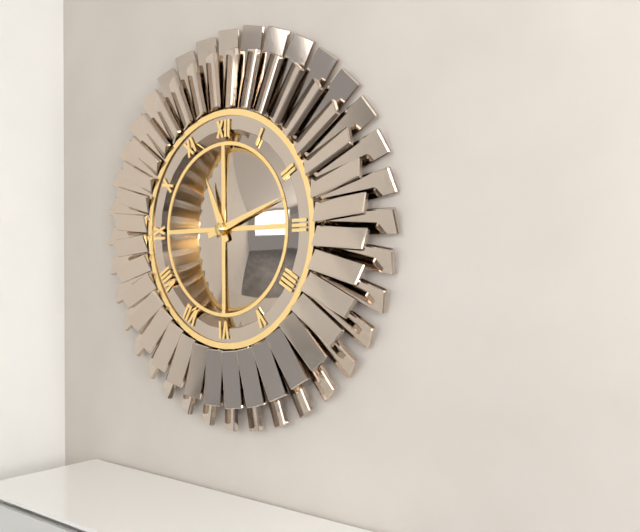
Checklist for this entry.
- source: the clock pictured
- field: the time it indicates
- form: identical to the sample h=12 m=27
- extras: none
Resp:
h=11 m=12
